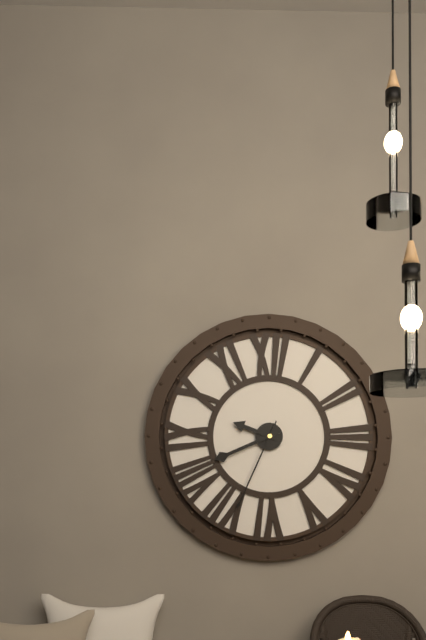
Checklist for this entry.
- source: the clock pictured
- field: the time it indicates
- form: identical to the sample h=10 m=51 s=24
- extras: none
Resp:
h=9 m=41 s=34
